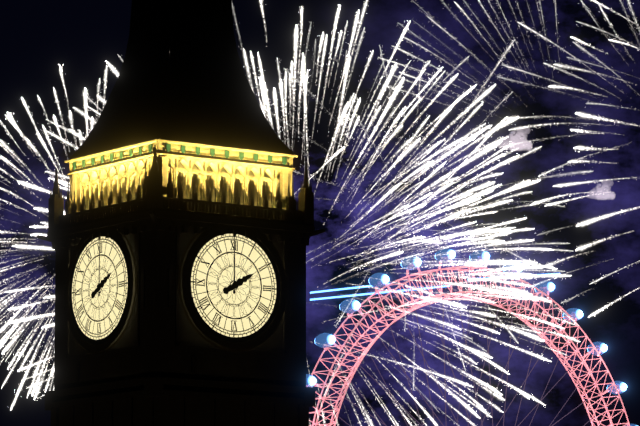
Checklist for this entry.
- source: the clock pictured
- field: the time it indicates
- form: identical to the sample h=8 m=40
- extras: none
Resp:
h=2 m=0
